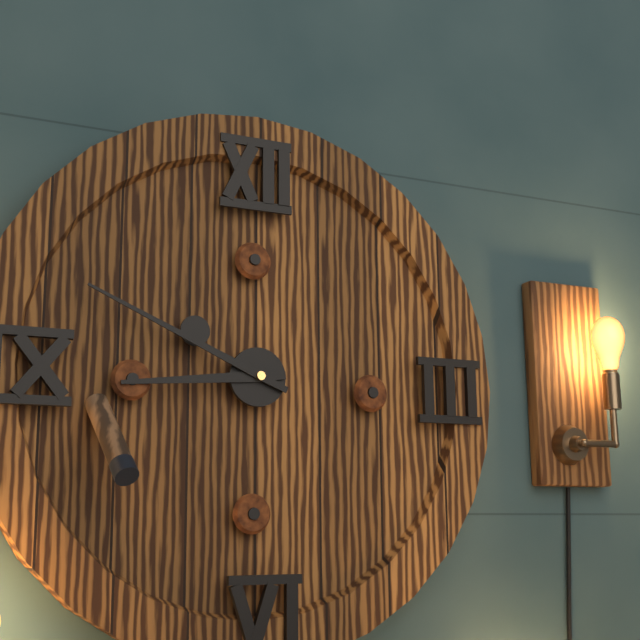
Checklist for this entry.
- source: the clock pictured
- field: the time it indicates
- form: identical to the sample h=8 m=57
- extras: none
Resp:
h=8 m=49
